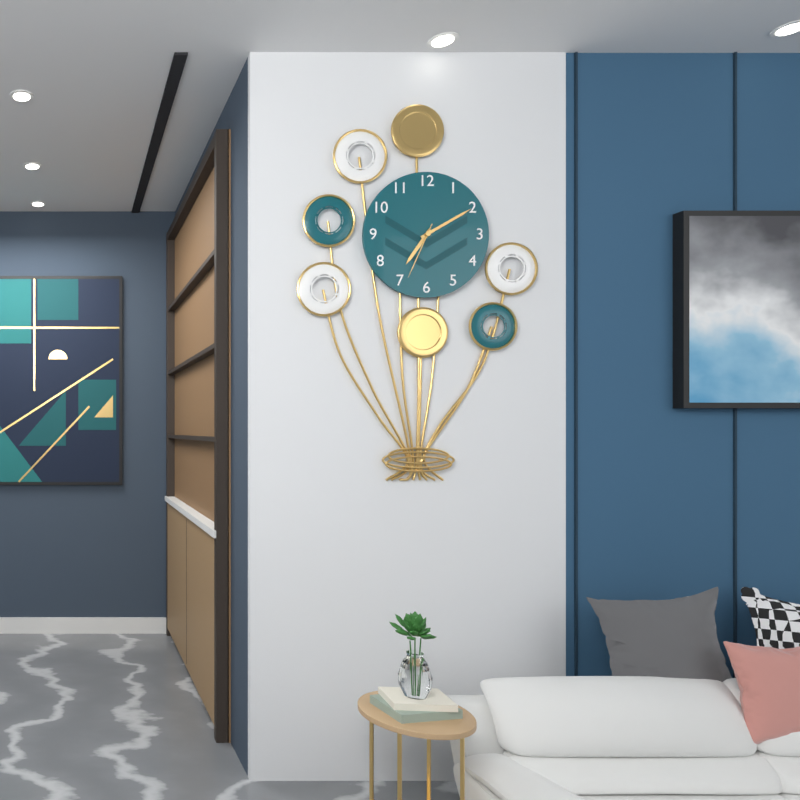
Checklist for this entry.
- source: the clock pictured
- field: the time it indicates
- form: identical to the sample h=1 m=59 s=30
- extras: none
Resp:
h=7 m=10 s=34
